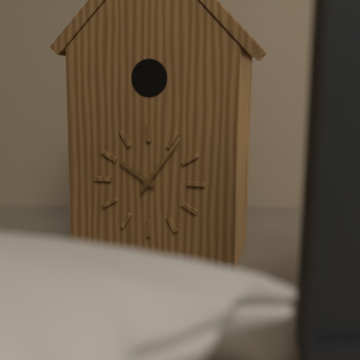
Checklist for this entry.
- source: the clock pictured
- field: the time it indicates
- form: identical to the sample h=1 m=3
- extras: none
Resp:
h=10 m=6
